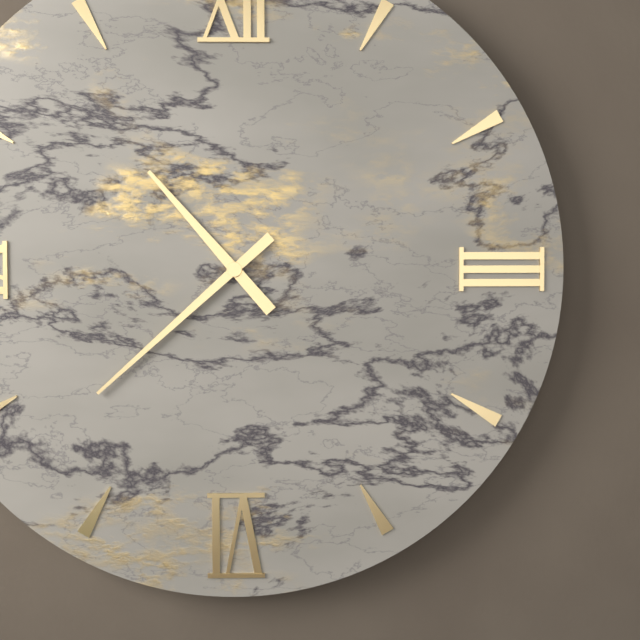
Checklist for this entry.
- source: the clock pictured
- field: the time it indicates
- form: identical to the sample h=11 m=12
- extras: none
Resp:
h=10 m=38
